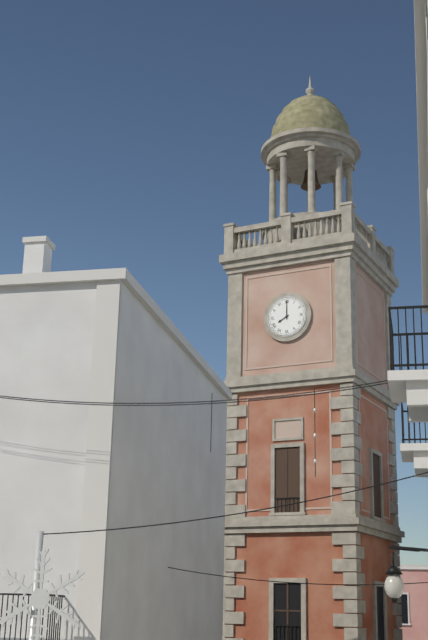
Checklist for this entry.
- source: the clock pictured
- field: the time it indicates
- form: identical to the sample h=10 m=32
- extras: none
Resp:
h=8 m=0
